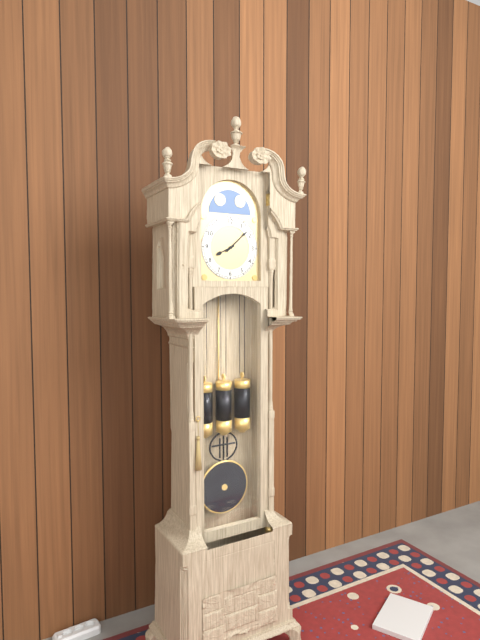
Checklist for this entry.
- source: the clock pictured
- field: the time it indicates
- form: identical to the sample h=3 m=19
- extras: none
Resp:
h=8 m=8
